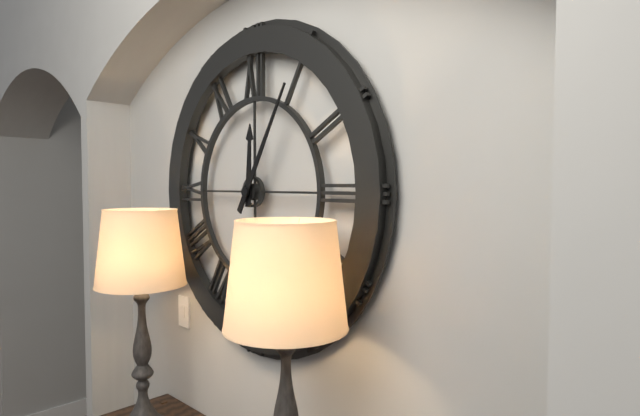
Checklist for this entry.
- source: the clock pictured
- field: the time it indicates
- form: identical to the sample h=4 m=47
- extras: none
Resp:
h=12 m=5
